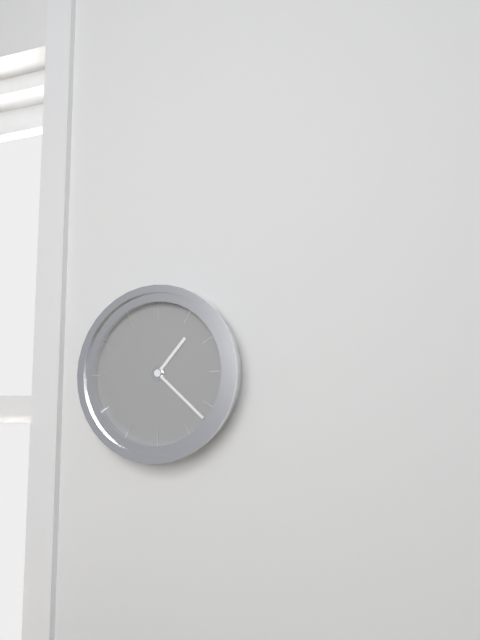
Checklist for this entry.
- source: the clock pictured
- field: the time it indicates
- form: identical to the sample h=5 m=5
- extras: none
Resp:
h=1 m=22
